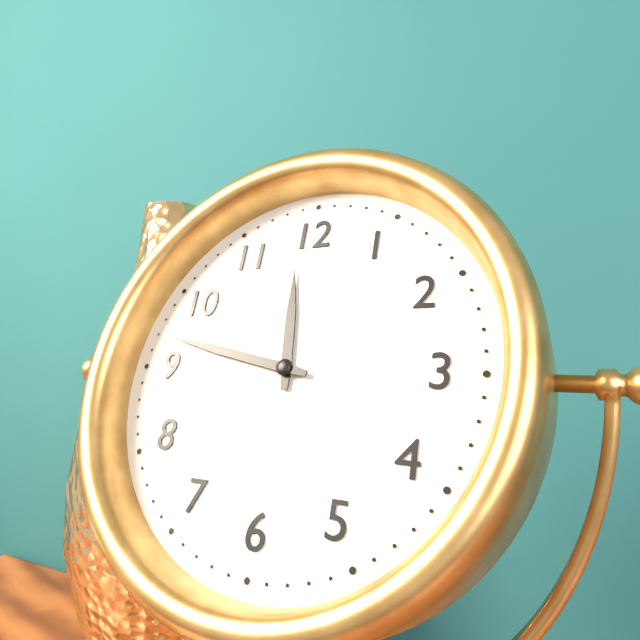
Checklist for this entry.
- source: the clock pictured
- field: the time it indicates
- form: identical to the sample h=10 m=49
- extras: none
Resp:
h=11 m=47
